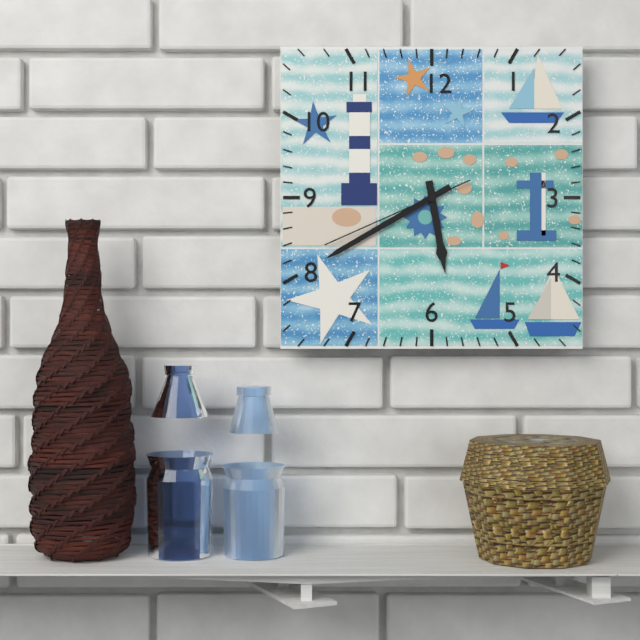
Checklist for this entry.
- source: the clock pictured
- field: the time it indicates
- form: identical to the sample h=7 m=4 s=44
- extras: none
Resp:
h=5 m=40 s=41
